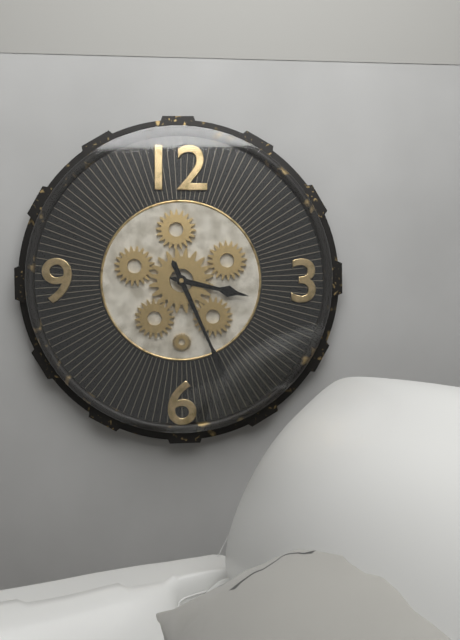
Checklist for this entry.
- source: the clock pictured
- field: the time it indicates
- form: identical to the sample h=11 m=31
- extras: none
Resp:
h=3 m=26
